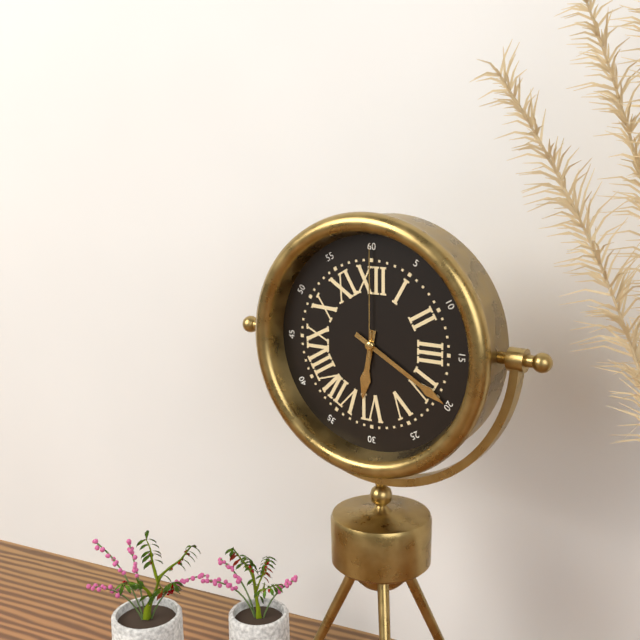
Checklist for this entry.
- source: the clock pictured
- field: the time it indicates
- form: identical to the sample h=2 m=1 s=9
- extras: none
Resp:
h=6 m=20 s=0
